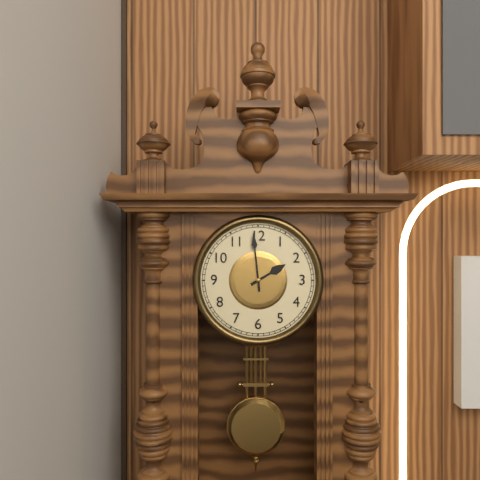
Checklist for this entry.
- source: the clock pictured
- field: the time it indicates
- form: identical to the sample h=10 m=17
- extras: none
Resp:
h=1 m=59
